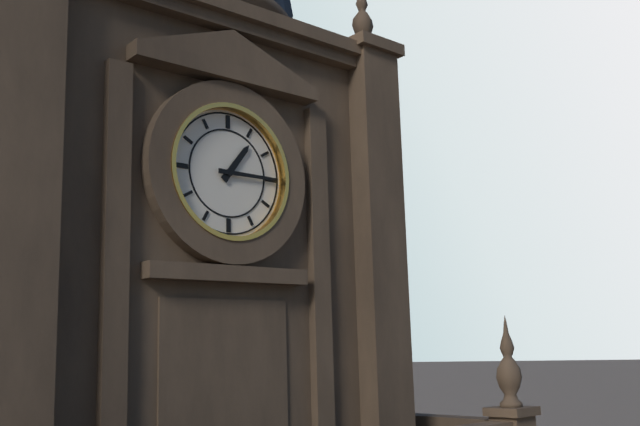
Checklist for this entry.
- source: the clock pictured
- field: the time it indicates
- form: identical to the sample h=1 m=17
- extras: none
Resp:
h=1 m=15
